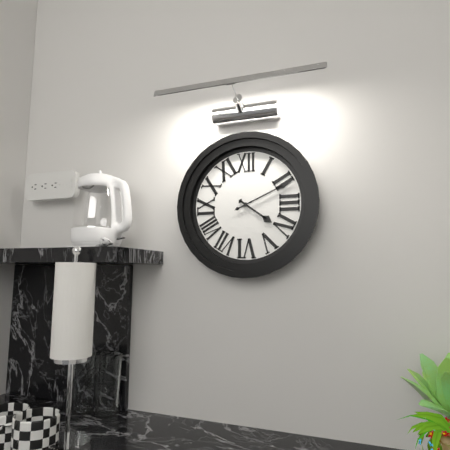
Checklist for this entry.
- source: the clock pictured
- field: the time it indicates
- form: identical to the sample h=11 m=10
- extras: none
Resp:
h=4 m=11
